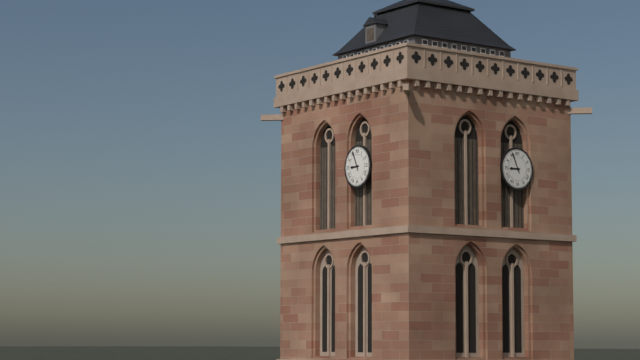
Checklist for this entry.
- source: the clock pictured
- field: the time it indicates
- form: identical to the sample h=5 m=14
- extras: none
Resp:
h=8 m=56
